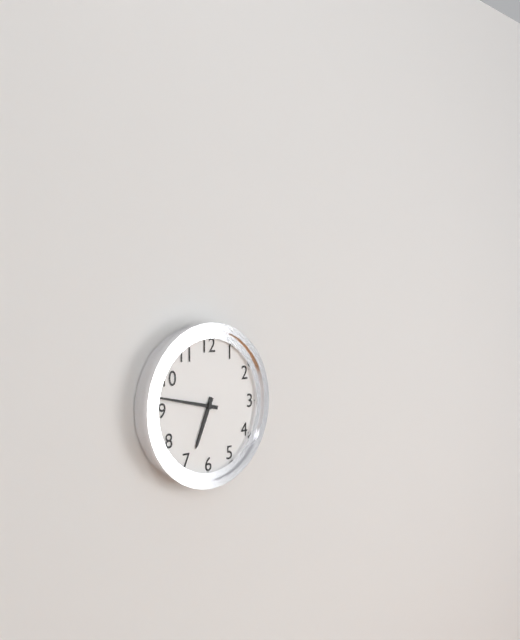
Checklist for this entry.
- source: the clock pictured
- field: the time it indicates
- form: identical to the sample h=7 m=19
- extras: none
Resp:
h=6 m=47
